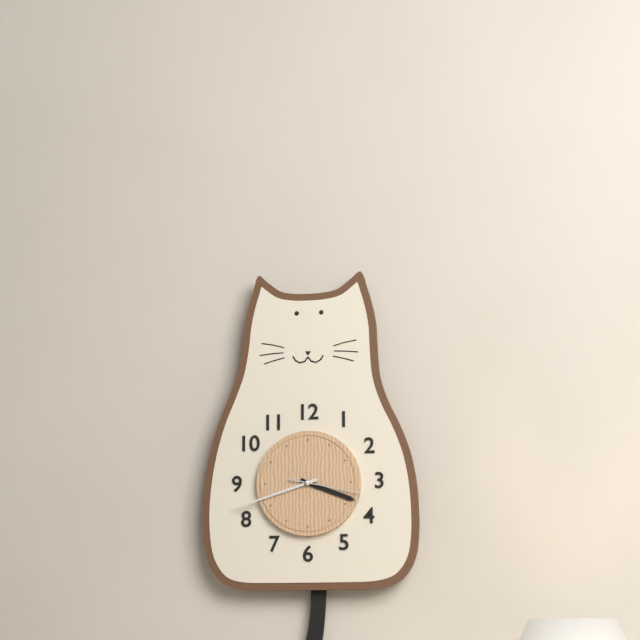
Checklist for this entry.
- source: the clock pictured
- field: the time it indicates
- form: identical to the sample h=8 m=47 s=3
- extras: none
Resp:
h=3 m=42 s=17
